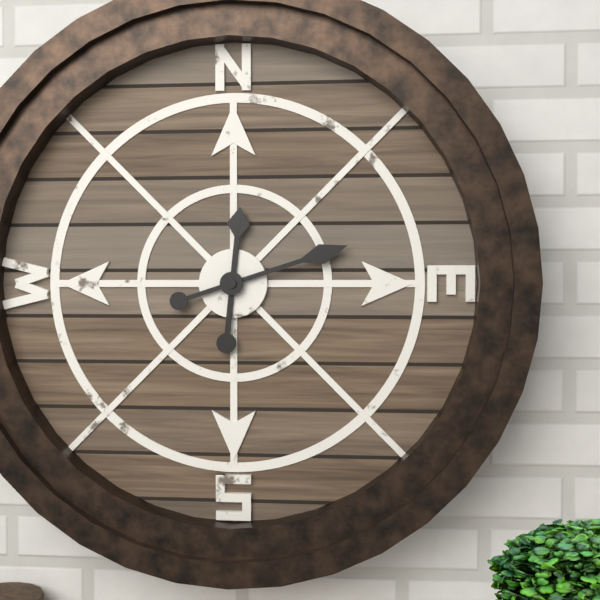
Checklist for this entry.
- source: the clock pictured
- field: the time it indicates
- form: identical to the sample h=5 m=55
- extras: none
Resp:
h=12 m=12
